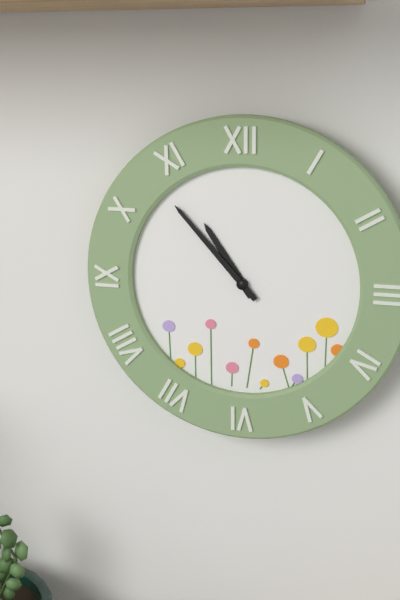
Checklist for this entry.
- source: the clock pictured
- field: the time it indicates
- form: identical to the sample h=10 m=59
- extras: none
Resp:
h=10 m=53
